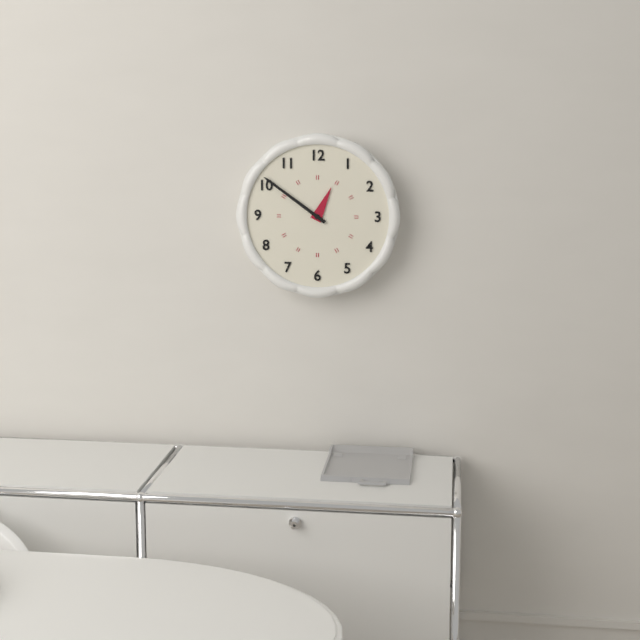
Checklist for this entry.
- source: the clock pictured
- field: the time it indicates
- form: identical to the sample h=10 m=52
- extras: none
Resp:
h=12 m=51
